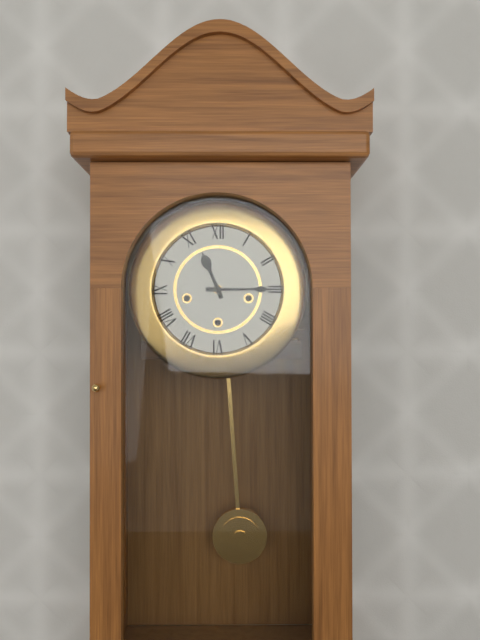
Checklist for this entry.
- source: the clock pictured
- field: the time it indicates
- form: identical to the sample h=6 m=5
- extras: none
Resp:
h=11 m=15
